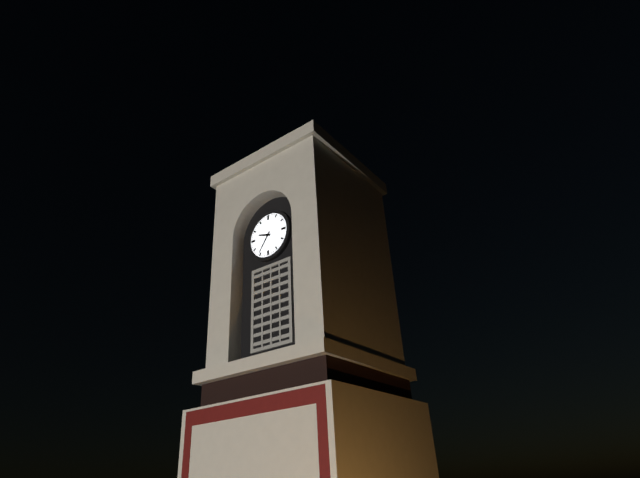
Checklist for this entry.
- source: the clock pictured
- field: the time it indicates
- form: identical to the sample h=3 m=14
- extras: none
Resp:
h=9 m=36
